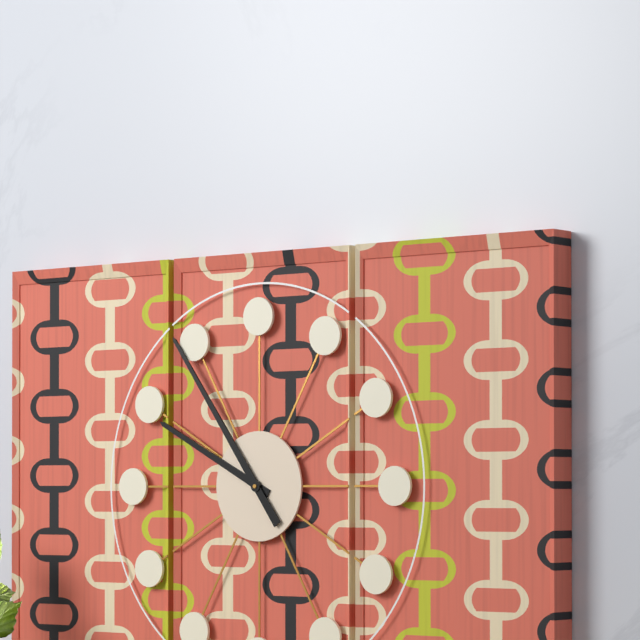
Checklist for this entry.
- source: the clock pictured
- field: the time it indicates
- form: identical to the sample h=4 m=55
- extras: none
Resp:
h=9 m=54
